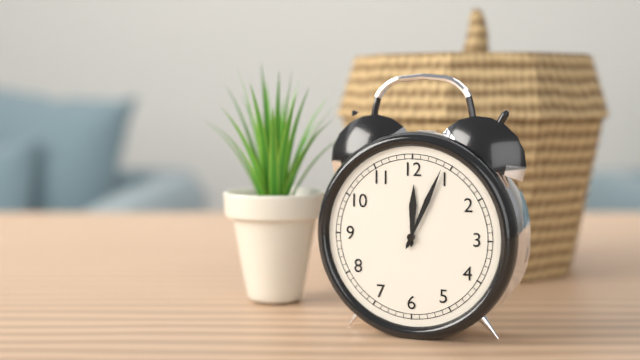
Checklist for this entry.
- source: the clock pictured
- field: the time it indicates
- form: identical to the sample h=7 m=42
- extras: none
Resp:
h=12 m=4
